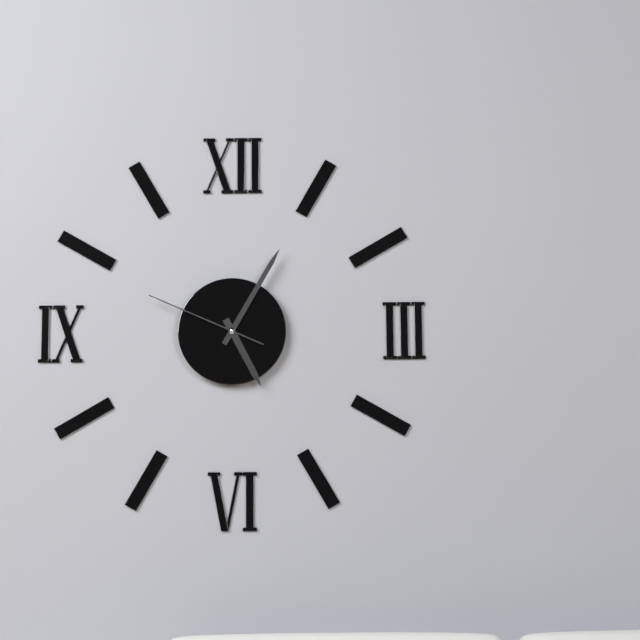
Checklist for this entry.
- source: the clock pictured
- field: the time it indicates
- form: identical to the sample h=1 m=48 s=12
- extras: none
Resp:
h=5 m=5 s=49
